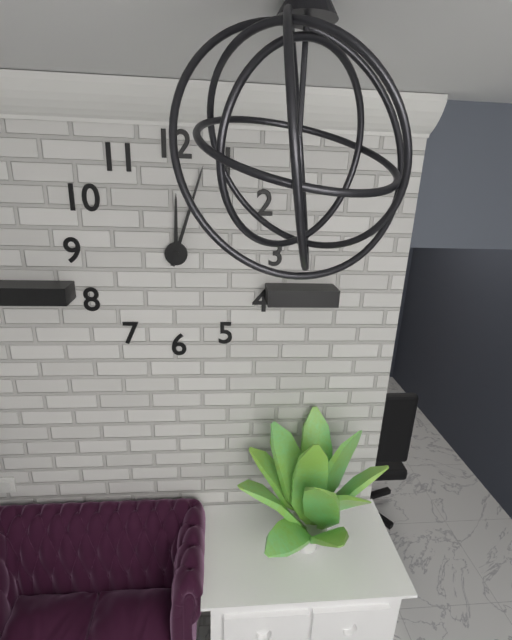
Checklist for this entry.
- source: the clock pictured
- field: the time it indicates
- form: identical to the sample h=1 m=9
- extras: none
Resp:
h=12 m=3
